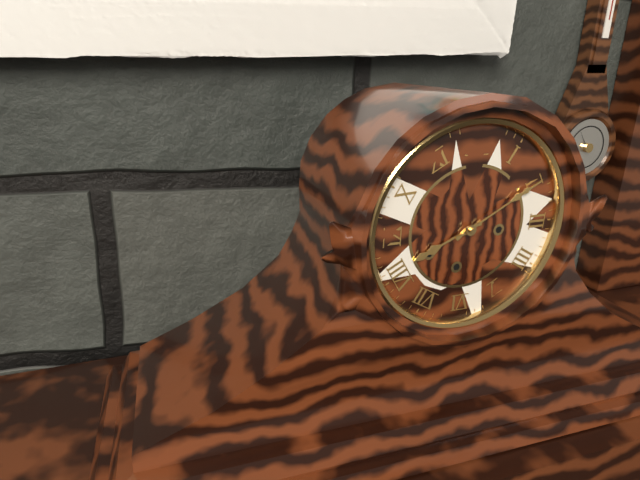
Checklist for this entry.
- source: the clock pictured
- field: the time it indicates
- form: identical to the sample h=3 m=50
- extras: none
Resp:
h=8 m=10
